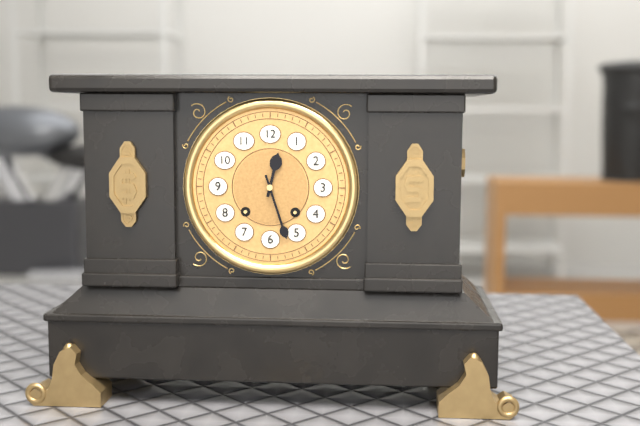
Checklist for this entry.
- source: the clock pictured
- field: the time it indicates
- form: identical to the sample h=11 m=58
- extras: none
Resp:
h=12 m=27
